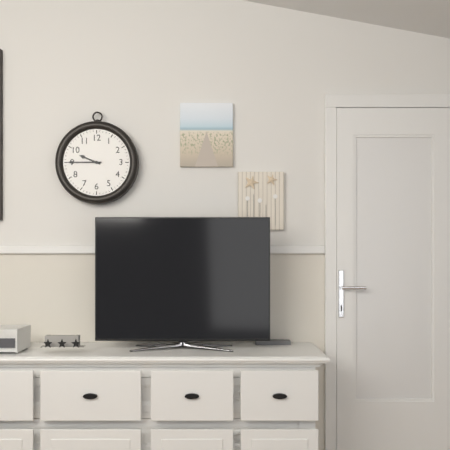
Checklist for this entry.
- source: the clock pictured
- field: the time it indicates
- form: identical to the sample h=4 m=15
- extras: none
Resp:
h=9 m=45
